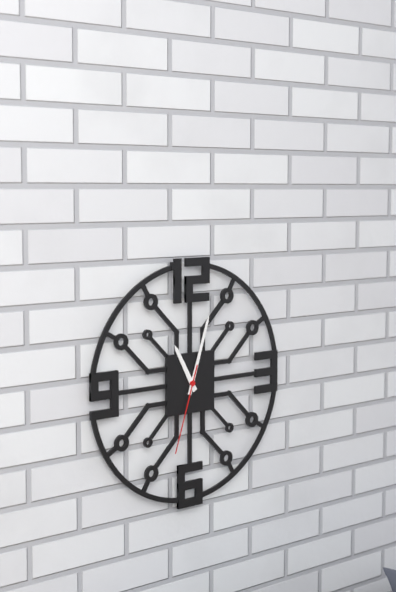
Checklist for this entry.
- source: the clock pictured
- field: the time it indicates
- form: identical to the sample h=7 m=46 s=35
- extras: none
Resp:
h=11 m=3 s=33
